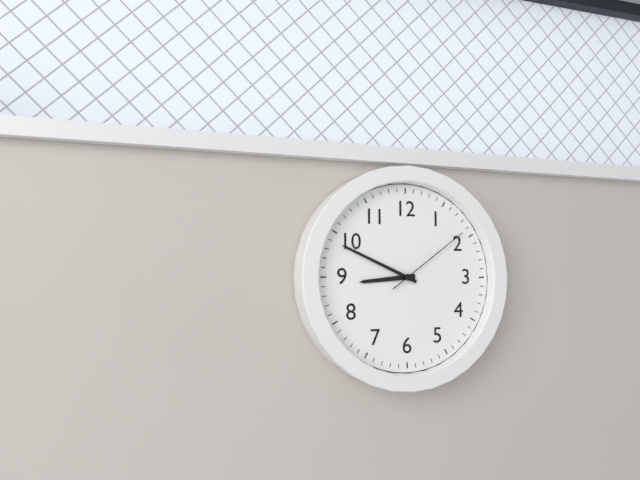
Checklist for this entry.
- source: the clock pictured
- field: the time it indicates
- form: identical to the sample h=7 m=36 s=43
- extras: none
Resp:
h=8 m=49 s=9
